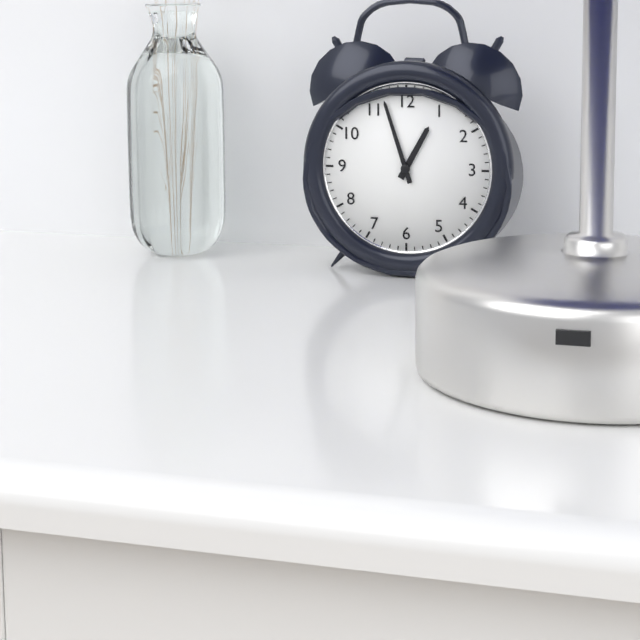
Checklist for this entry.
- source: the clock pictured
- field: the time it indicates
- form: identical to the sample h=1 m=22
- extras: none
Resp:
h=12 m=57
